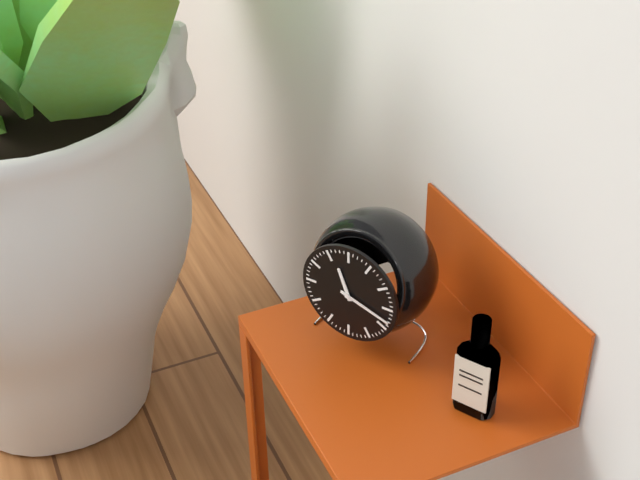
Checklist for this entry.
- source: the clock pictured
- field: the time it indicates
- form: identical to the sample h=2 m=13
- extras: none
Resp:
h=11 m=18
